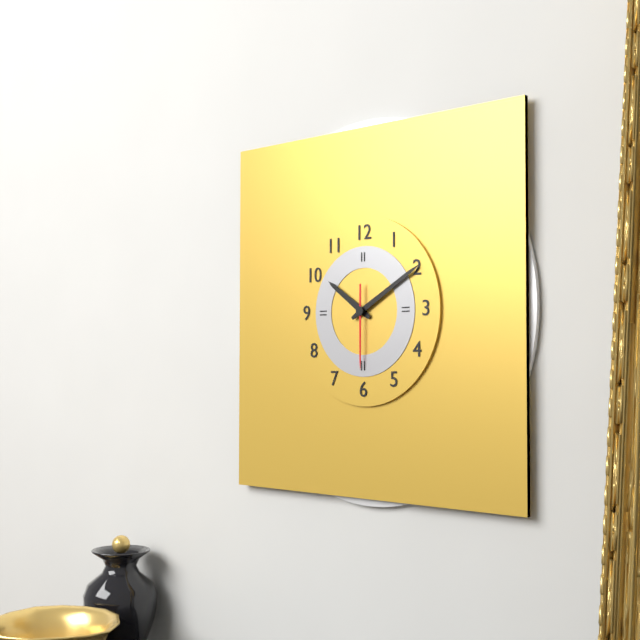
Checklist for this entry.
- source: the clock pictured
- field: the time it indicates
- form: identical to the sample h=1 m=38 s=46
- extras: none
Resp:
h=10 m=10 s=30
